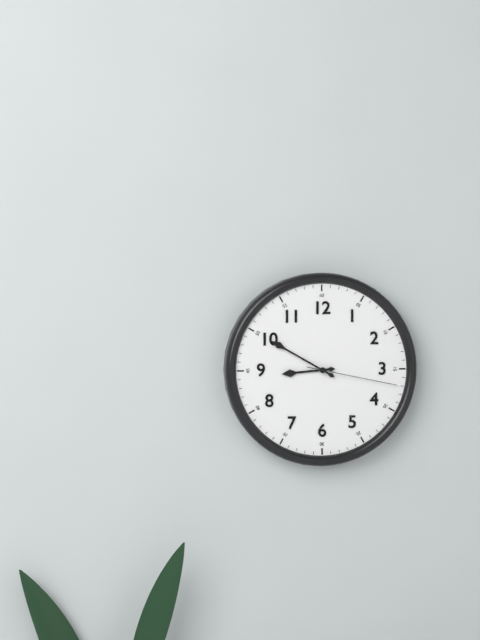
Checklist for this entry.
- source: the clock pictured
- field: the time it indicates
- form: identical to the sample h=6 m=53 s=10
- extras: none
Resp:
h=8 m=50 s=17
